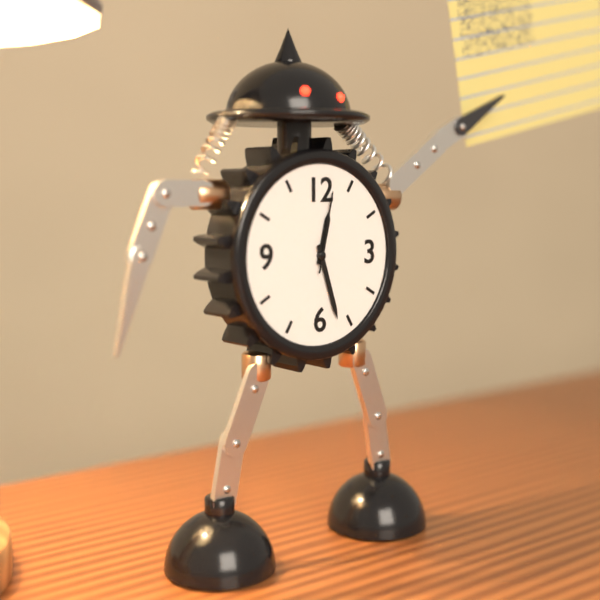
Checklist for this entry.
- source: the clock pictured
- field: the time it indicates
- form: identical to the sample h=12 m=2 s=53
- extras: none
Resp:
h=12 m=27 s=2
